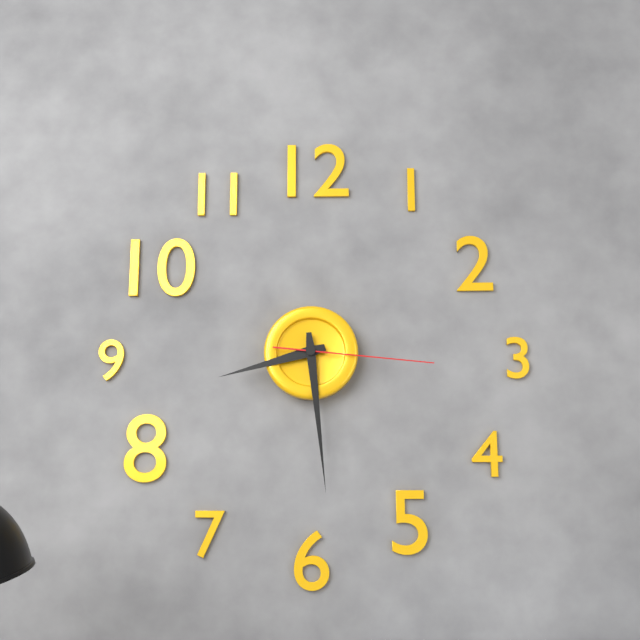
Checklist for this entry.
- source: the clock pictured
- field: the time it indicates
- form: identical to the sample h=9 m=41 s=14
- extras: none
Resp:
h=8 m=29 s=16
